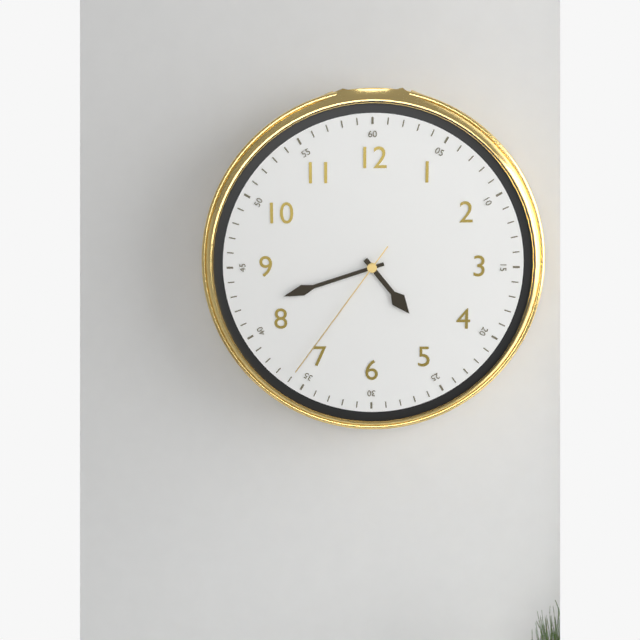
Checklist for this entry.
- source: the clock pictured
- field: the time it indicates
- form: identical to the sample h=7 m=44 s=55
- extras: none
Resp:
h=4 m=42 s=36
